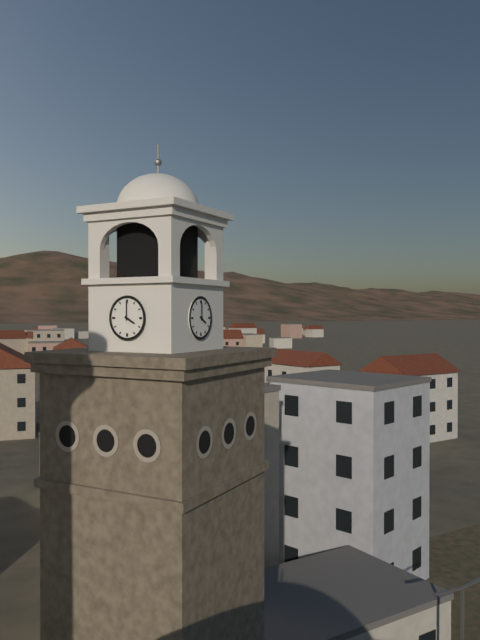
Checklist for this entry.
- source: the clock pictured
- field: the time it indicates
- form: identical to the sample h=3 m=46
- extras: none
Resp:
h=4 m=0
